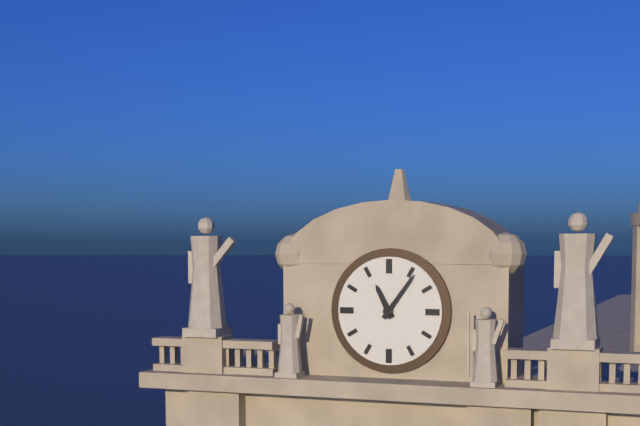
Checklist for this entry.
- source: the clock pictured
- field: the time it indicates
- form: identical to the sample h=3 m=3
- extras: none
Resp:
h=11 m=6
